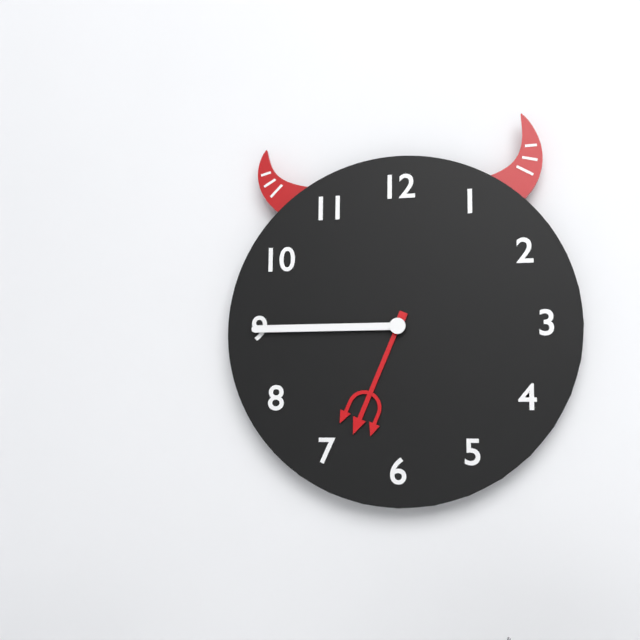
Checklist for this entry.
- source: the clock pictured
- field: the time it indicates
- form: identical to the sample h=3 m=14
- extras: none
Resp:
h=6 m=45
